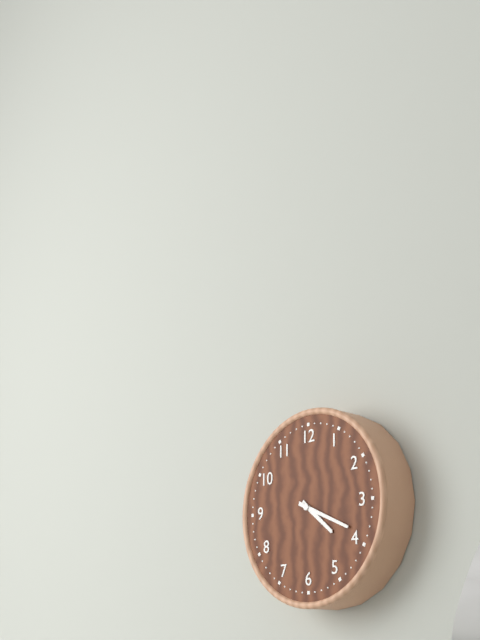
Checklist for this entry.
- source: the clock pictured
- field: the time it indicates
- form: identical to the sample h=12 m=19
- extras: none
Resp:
h=4 m=19
